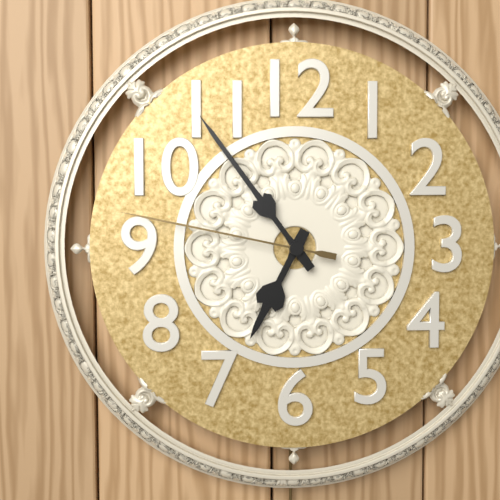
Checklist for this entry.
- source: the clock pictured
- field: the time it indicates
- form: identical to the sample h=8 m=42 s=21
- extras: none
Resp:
h=6 m=54 s=47
